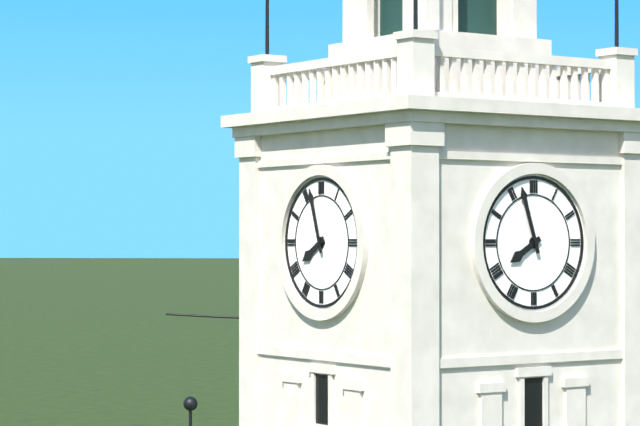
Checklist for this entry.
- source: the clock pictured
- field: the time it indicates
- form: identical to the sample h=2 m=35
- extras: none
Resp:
h=7 m=57
